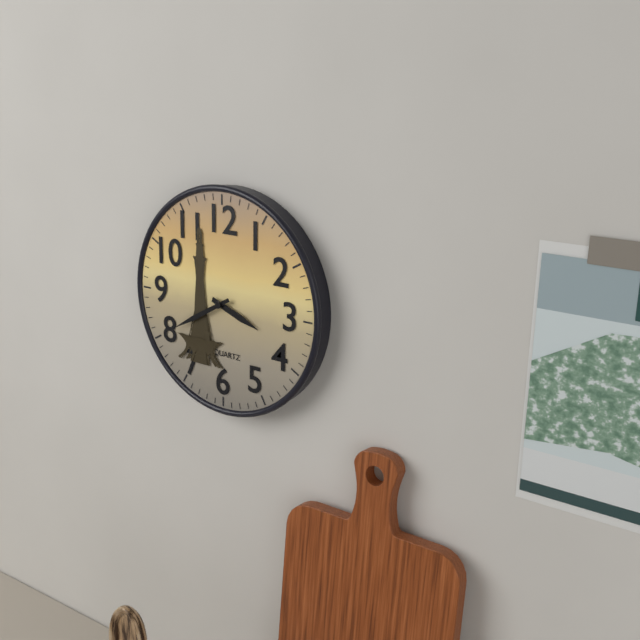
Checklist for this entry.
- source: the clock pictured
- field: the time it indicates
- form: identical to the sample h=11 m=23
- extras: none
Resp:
h=3 m=40
